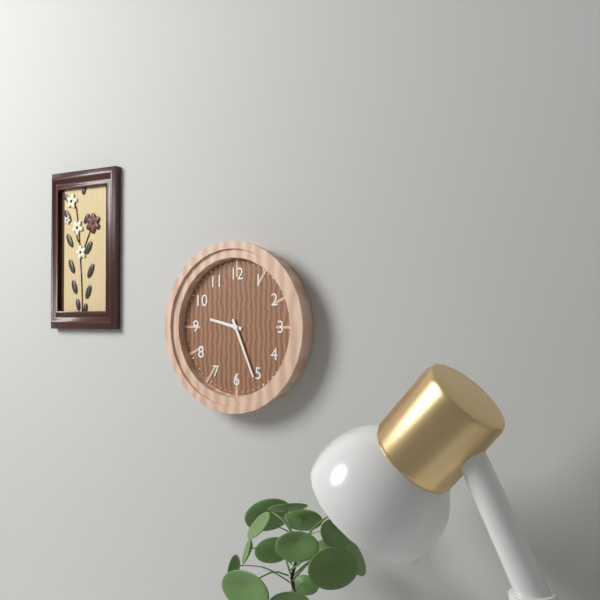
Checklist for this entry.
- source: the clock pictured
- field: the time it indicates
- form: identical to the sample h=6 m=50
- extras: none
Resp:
h=9 m=26
